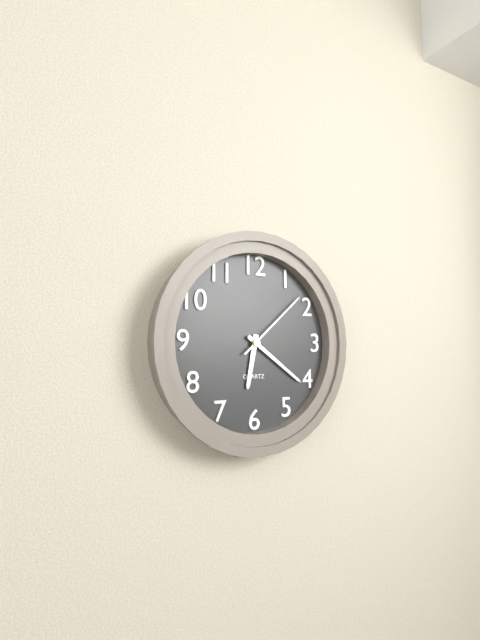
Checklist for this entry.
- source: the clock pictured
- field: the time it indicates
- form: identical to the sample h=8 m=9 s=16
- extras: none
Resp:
h=6 m=21 s=8
